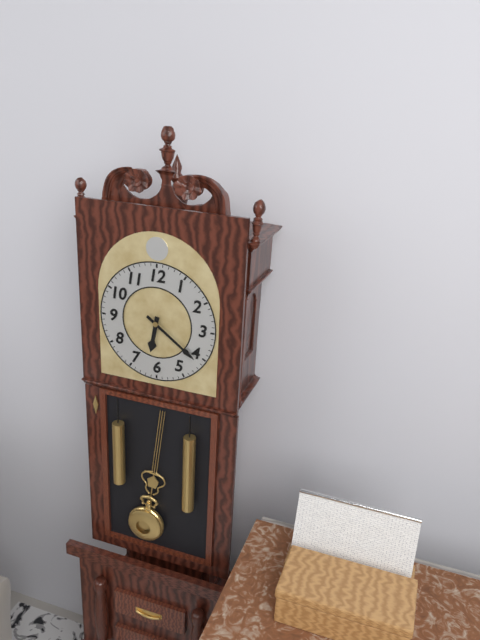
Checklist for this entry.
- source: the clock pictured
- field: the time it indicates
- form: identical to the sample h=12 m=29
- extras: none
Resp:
h=6 m=21
